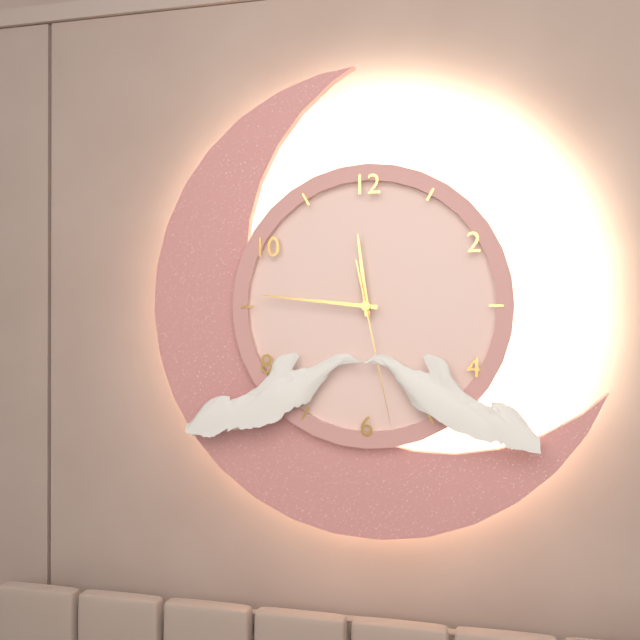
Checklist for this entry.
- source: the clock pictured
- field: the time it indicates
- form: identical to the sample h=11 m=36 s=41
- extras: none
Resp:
h=11 m=46 s=28
